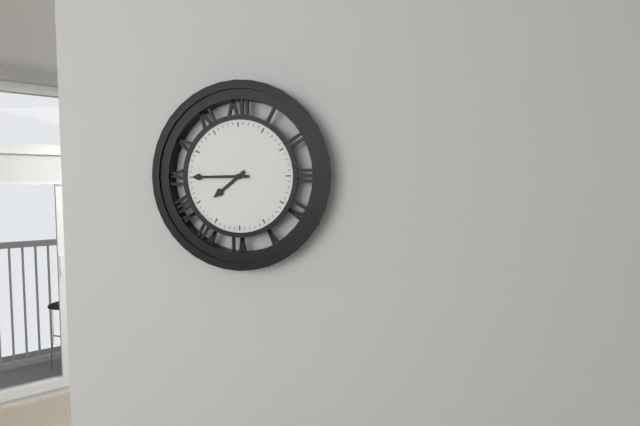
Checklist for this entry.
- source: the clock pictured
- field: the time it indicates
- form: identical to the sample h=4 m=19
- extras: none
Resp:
h=7 m=45
